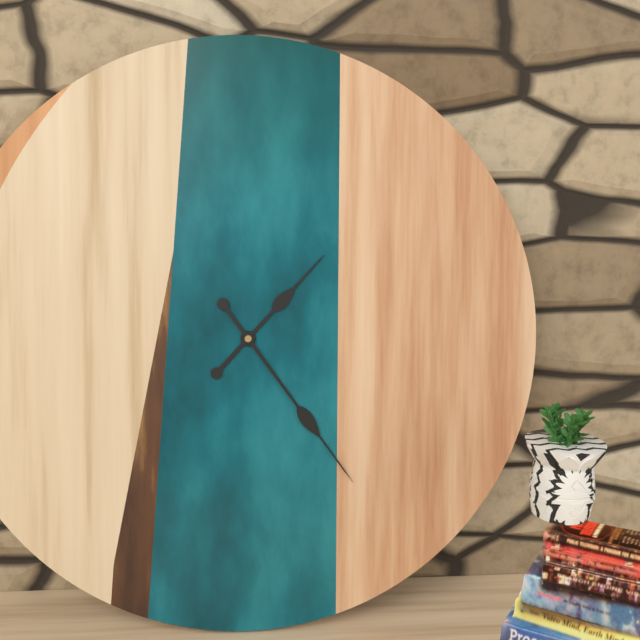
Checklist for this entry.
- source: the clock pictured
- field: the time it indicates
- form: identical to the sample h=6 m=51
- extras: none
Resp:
h=1 m=24
